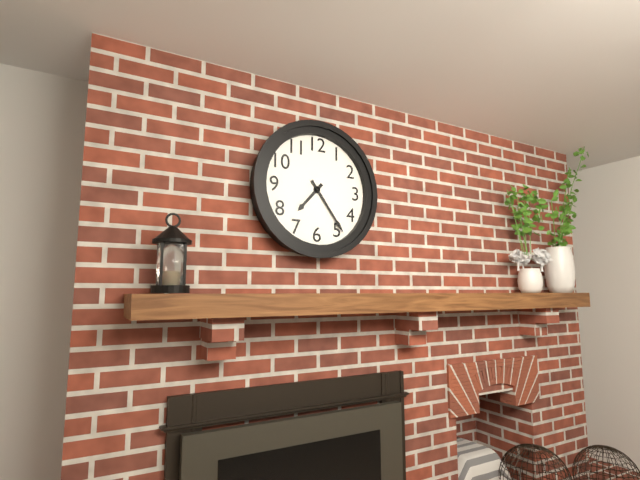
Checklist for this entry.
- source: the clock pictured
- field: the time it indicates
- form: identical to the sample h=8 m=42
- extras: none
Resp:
h=7 m=24
